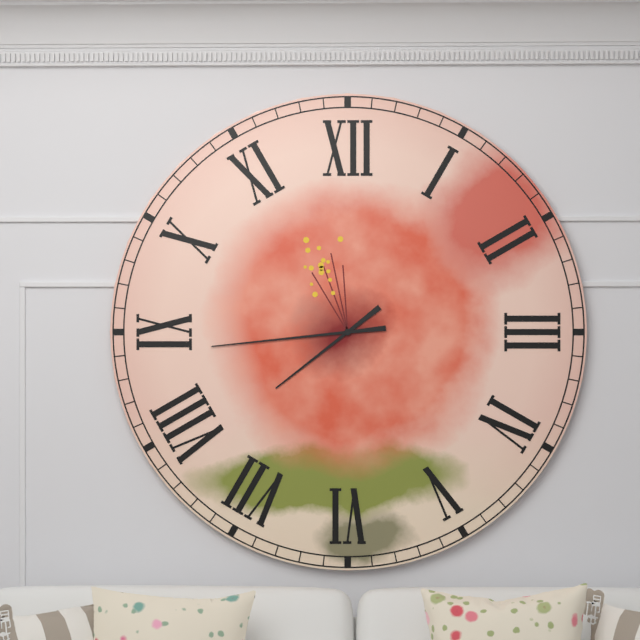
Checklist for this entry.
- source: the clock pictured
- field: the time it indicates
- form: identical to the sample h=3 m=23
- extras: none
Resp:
h=7 m=44
